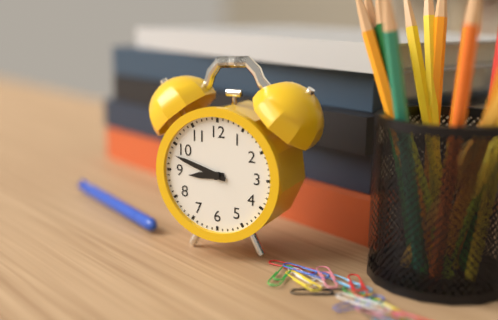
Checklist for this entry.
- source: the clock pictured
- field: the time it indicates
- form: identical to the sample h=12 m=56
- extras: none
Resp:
h=8 m=48
